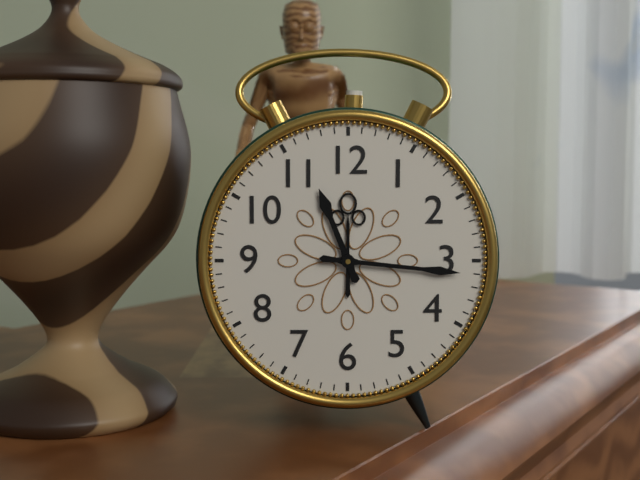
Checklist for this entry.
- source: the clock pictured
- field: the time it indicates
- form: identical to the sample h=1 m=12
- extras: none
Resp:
h=11 m=16
